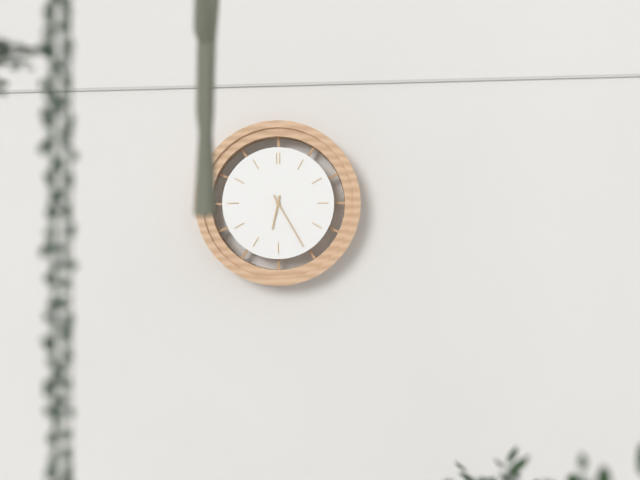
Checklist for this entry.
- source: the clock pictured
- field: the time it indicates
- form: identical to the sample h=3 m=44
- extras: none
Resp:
h=6 m=25
